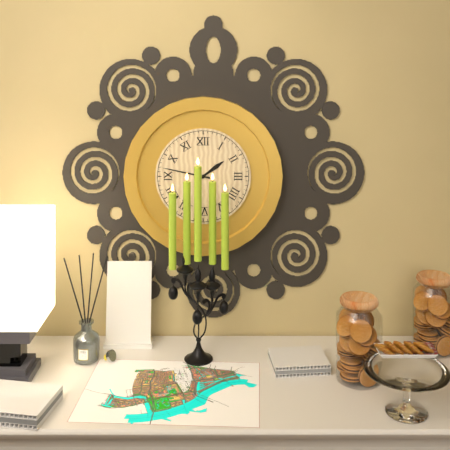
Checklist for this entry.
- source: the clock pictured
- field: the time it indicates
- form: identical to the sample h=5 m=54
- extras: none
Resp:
h=1 m=47
